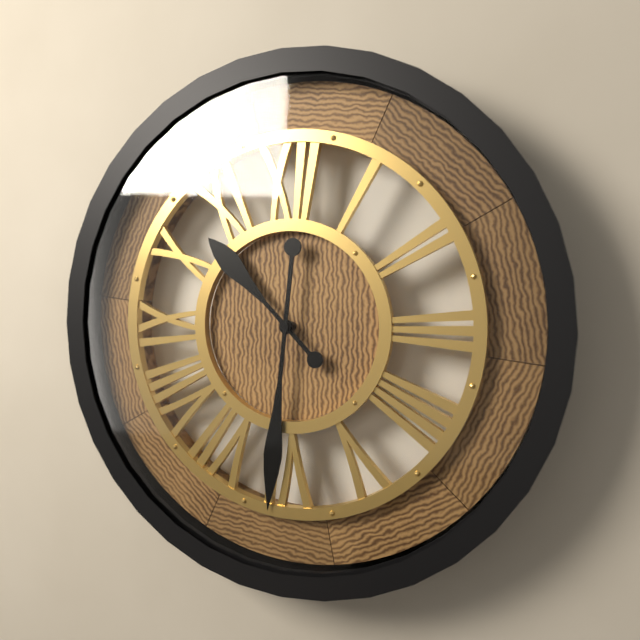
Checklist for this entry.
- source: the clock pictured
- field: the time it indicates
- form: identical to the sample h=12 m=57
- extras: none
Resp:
h=10 m=31
